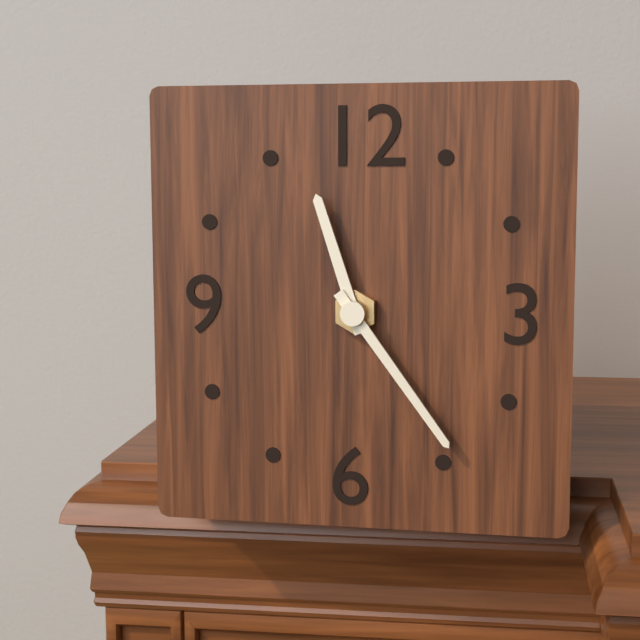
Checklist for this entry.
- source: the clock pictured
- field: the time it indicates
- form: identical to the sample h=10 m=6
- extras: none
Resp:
h=11 m=24
